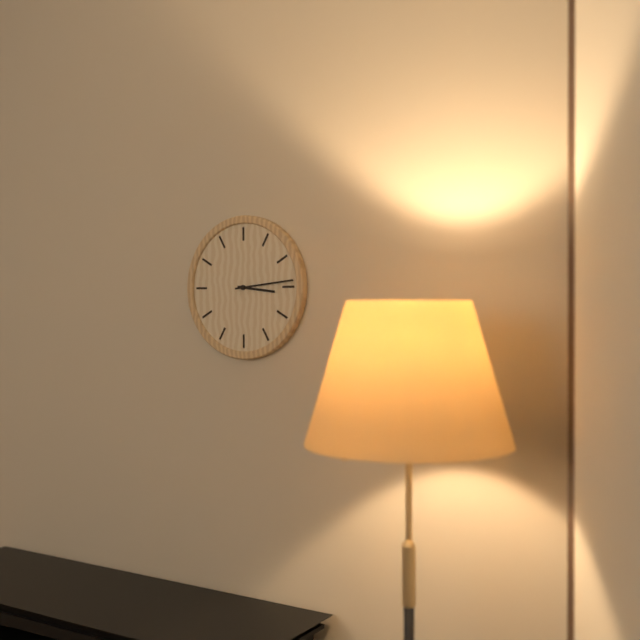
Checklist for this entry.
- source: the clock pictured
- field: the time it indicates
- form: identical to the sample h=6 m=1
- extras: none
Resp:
h=3 m=14
